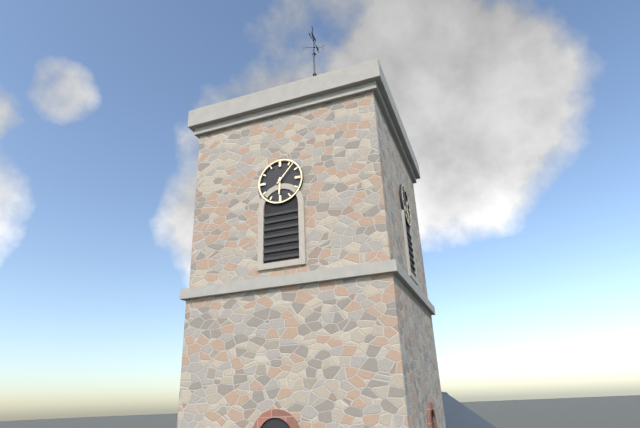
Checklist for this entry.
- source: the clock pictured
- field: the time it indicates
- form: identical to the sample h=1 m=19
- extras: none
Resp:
h=6 m=7
